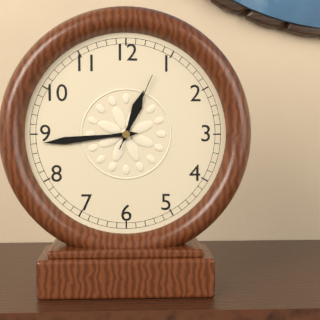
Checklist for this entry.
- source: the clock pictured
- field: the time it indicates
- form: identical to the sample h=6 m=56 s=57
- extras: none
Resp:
h=12 m=44 s=4
